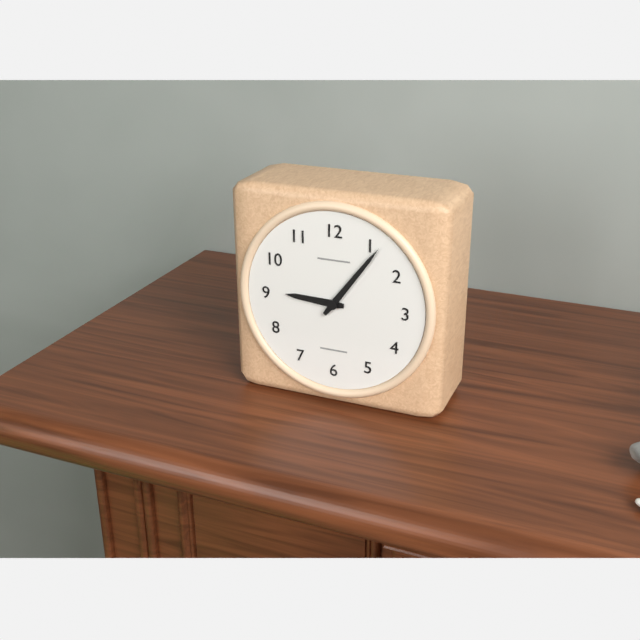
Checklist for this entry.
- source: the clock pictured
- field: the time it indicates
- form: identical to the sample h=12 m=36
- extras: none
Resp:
h=9 m=6
